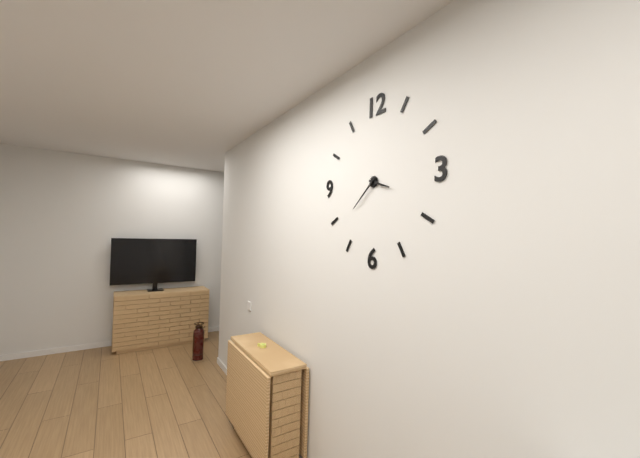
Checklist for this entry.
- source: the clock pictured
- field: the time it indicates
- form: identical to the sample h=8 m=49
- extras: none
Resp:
h=3 m=38
